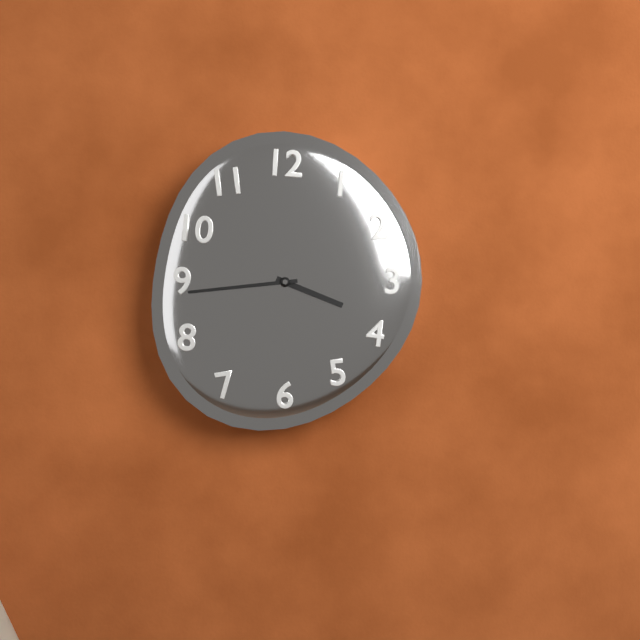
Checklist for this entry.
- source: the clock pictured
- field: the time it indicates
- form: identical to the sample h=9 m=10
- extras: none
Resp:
h=3 m=44
